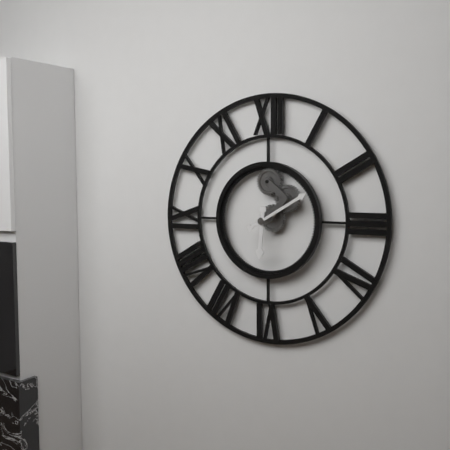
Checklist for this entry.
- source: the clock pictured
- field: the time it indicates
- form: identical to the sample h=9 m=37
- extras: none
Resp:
h=6 m=10
